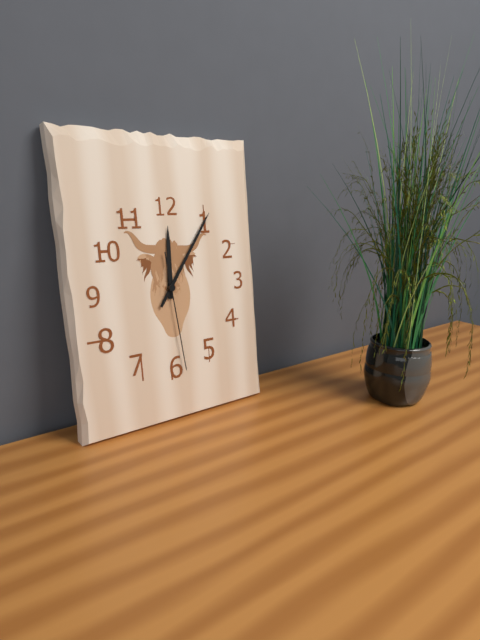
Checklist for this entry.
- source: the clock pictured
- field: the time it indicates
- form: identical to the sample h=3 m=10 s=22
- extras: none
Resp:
h=12 m=6 s=29
